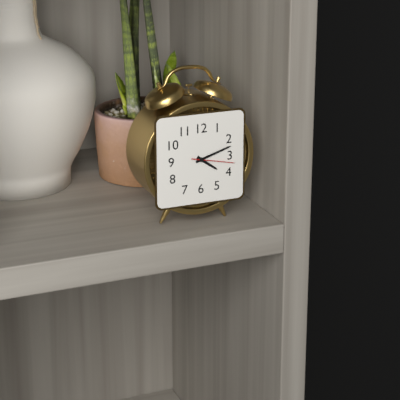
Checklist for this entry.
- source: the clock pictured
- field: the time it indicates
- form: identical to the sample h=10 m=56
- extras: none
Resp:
h=4 m=12
